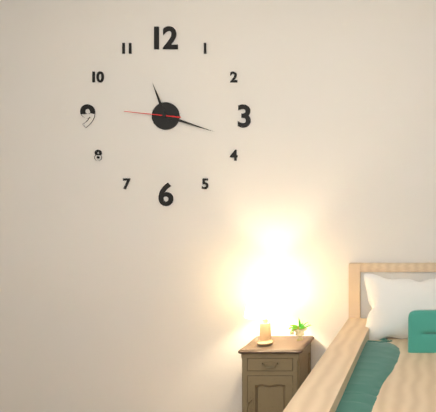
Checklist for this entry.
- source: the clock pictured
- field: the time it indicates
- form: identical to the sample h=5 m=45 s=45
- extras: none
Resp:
h=11 m=18 s=46
